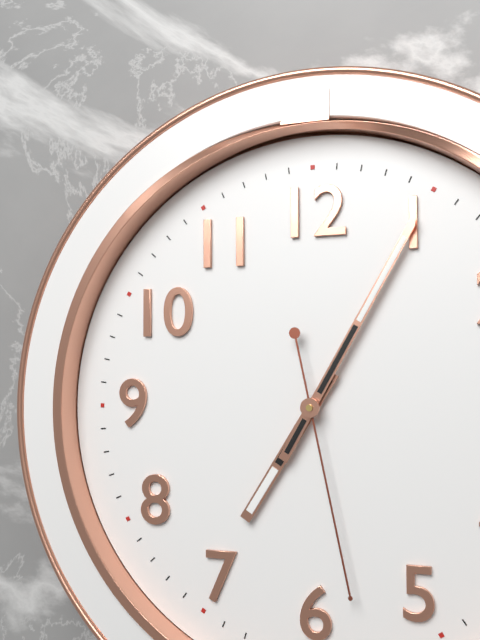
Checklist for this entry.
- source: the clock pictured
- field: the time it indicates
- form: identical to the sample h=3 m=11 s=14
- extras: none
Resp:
h=7 m=5 s=28
